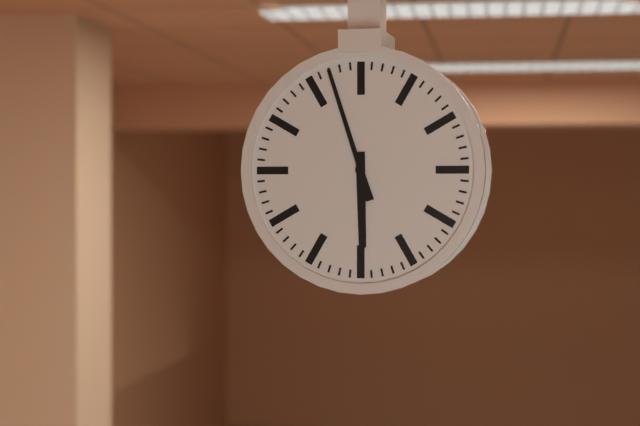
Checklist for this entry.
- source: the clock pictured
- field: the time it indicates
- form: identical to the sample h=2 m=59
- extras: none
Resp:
h=5 m=57
